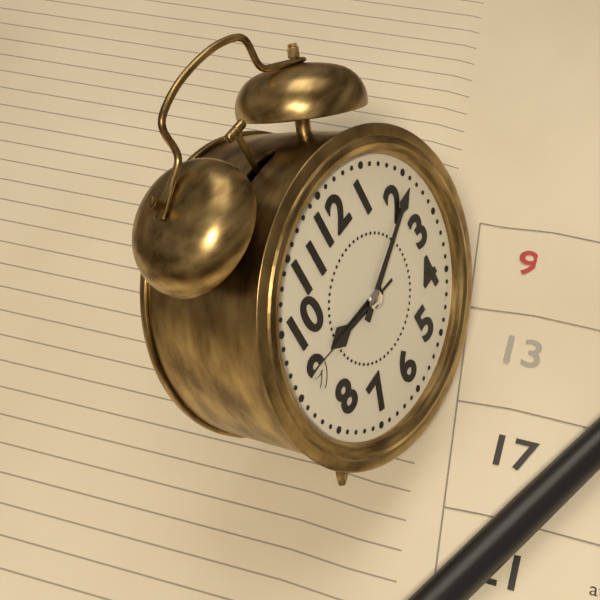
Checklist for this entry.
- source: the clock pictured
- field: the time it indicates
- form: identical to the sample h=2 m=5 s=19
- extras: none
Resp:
h=9 m=11 s=46
